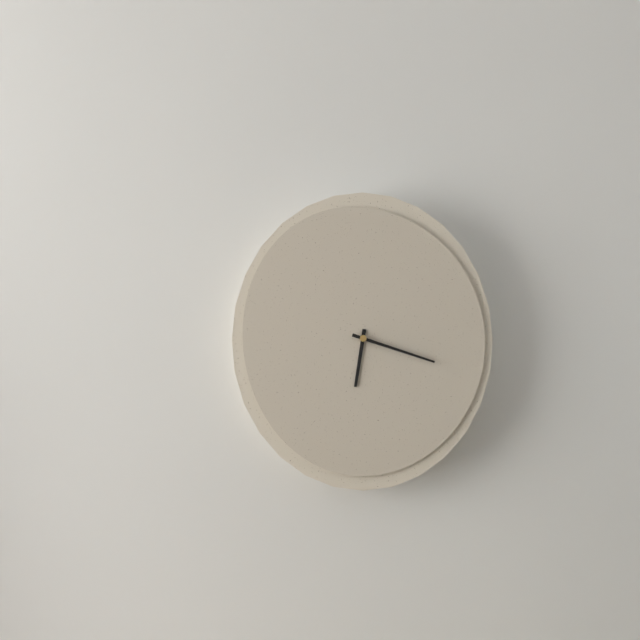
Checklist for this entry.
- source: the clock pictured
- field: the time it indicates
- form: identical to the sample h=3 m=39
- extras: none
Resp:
h=6 m=18
